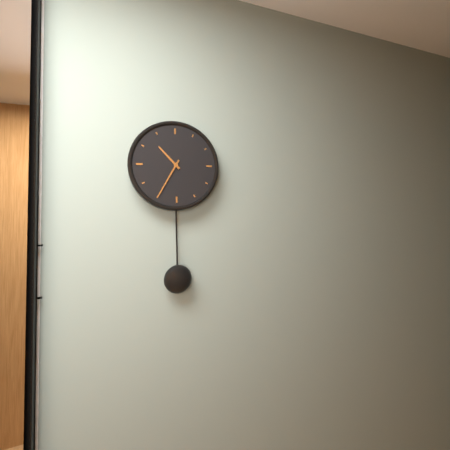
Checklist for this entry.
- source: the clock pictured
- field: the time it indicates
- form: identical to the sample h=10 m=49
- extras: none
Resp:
h=10 m=35
